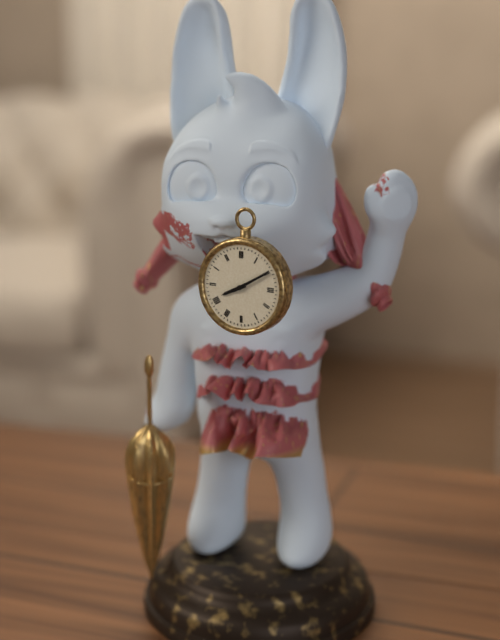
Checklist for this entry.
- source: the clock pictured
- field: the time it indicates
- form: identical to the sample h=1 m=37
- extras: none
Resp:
h=8 m=10
